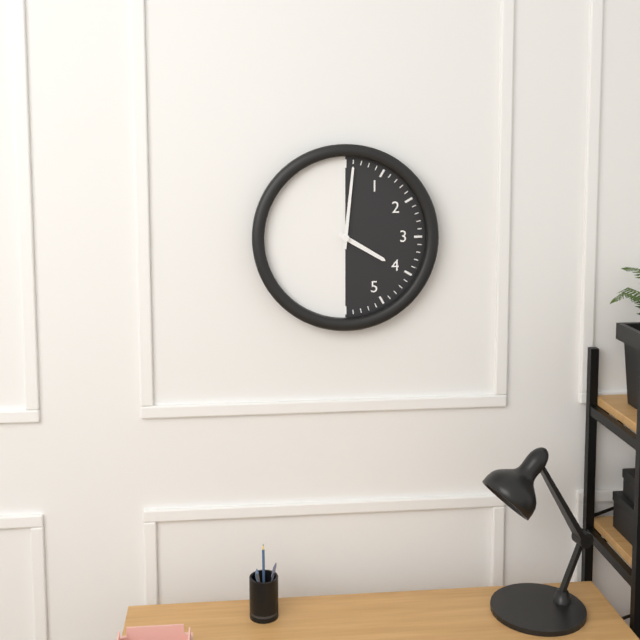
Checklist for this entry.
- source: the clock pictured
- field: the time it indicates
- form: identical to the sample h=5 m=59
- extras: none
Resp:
h=4 m=1
